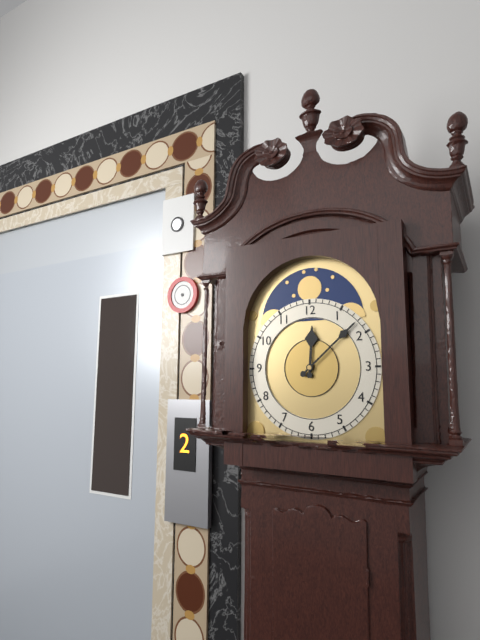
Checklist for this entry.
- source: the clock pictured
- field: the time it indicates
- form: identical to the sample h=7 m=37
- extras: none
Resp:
h=12 m=8
